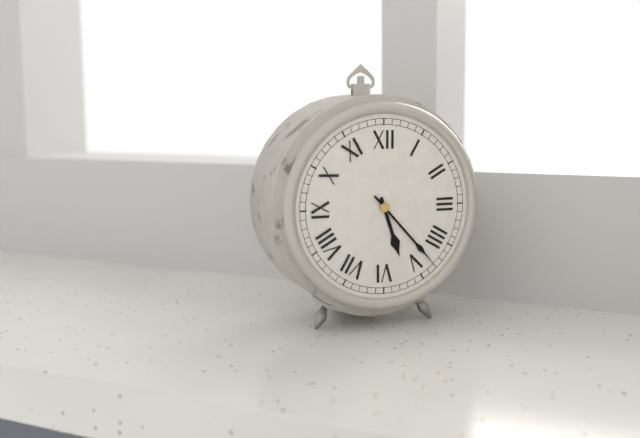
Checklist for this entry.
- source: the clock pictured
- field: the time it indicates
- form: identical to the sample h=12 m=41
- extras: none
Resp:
h=5 m=23
